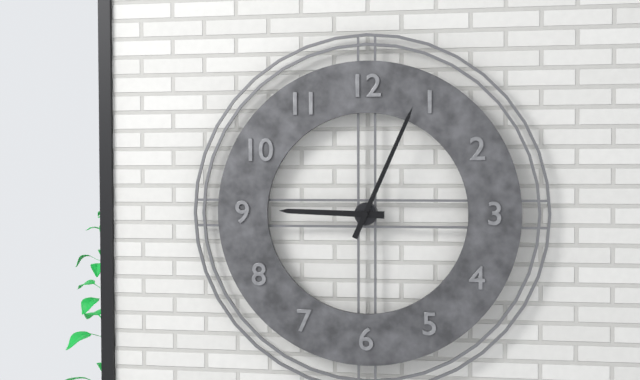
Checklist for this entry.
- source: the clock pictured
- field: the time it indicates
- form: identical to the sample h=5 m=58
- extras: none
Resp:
h=9 m=4
